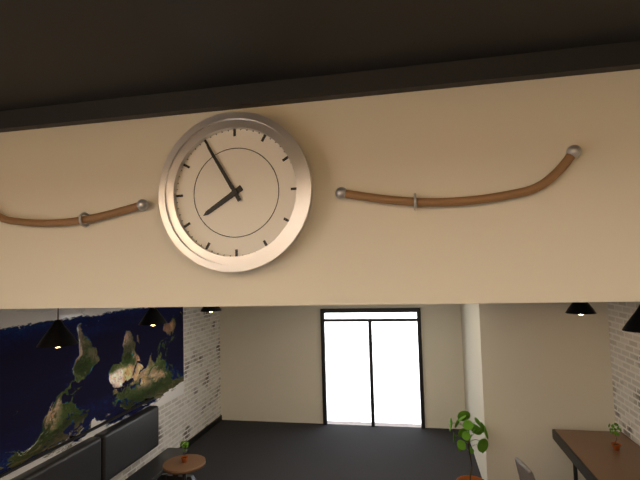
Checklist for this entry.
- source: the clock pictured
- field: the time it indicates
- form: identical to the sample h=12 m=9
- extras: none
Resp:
h=7 m=55
